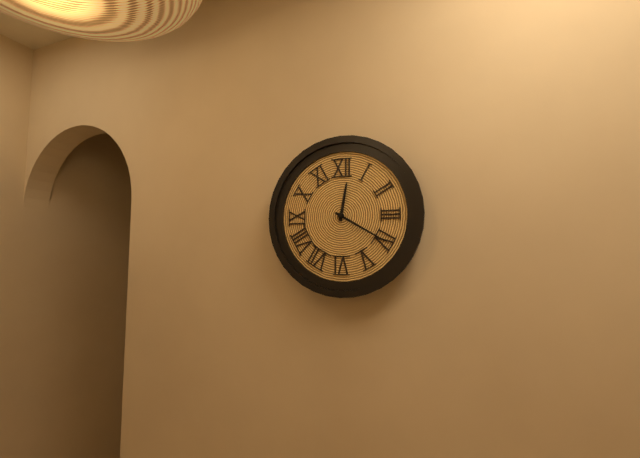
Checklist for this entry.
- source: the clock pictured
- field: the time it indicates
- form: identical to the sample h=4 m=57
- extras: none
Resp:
h=12 m=20
